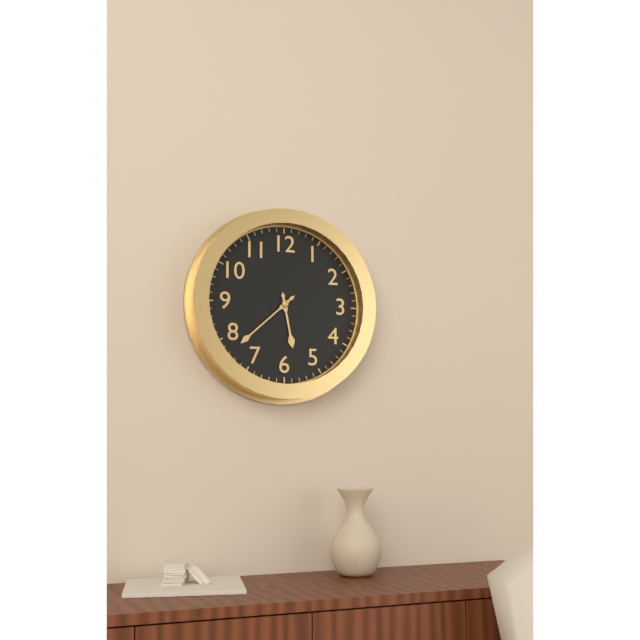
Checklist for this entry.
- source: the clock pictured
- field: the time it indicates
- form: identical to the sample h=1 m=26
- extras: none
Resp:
h=5 m=38
